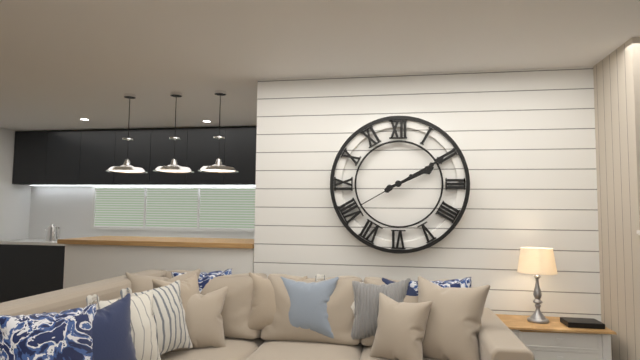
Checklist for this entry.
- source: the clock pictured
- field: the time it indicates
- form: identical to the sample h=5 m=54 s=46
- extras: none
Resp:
h=2 m=10 s=40
